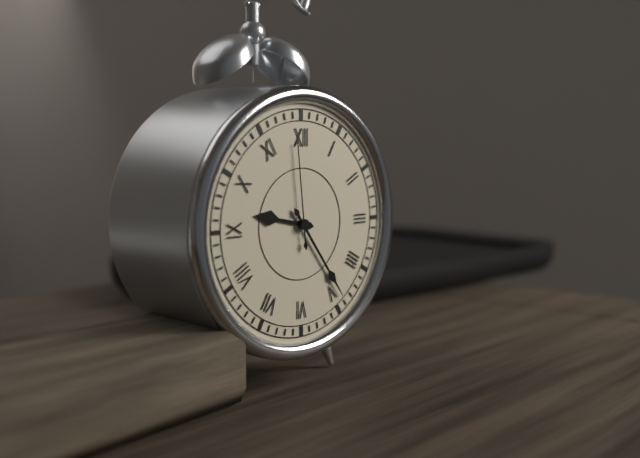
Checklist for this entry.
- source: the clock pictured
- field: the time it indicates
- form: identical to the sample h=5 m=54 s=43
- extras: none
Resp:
h=9 m=24 s=59
